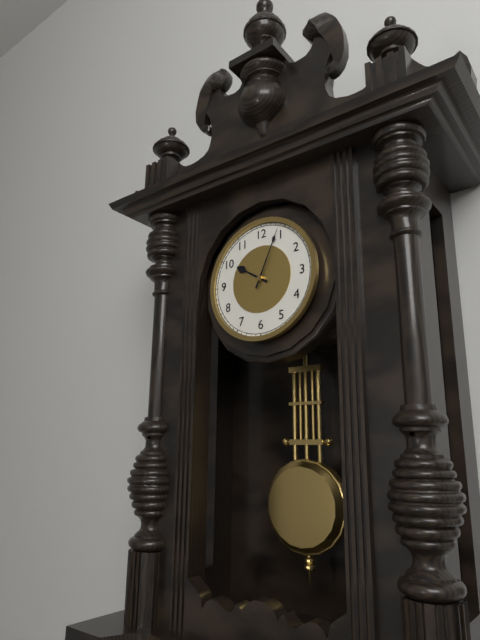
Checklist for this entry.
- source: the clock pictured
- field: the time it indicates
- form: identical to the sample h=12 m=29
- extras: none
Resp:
h=10 m=4
